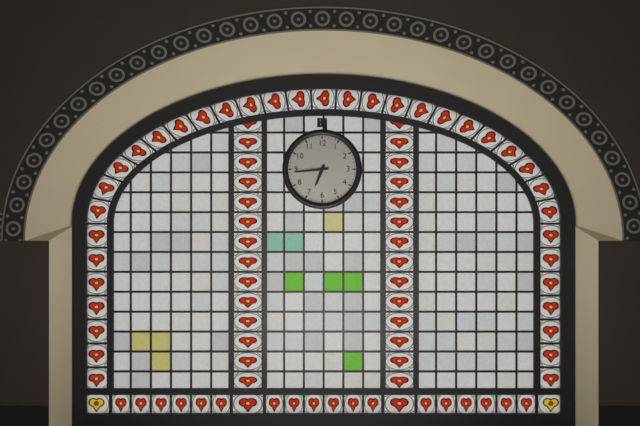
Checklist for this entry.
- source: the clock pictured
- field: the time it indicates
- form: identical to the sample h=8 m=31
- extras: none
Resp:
h=6 m=44
